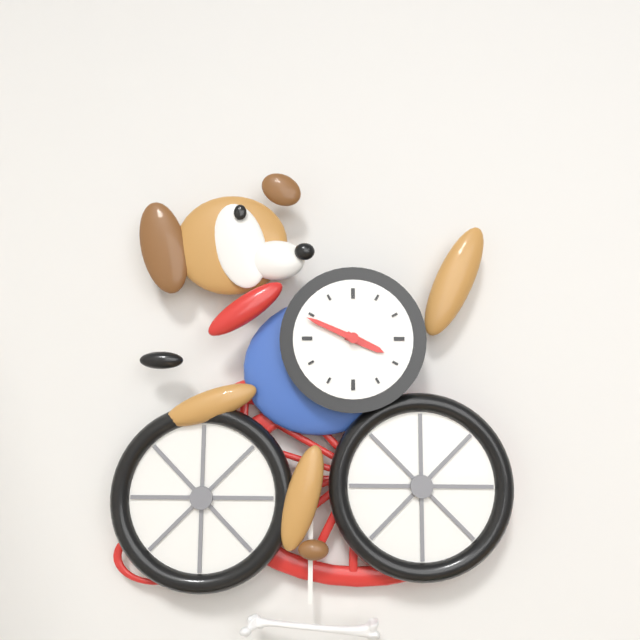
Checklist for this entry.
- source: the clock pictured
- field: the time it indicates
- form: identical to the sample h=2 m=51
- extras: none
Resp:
h=3 m=49
